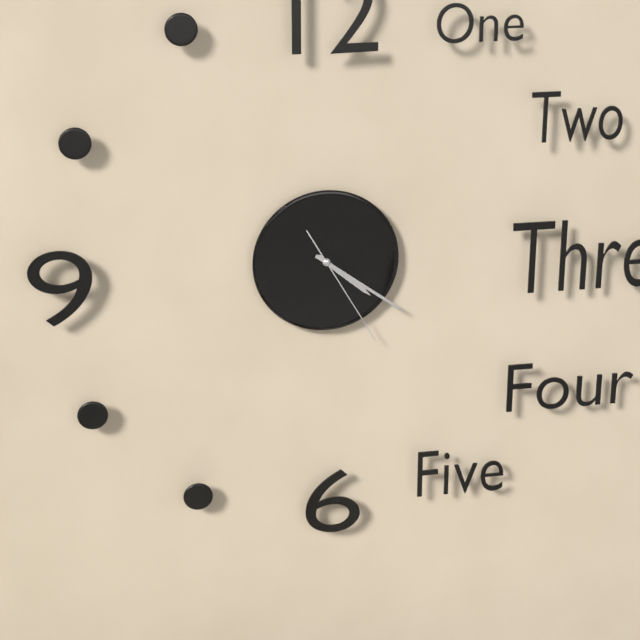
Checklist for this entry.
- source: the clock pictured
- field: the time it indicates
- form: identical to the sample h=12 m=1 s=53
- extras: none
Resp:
h=4 m=21 s=25
